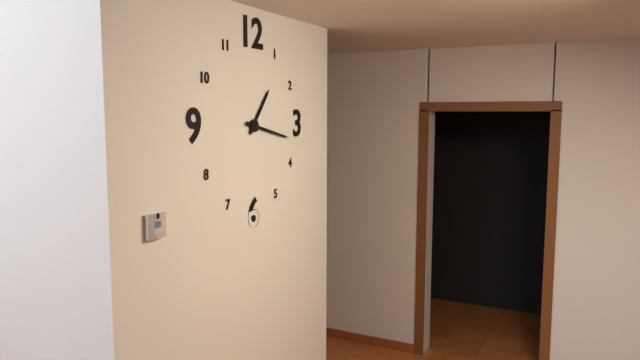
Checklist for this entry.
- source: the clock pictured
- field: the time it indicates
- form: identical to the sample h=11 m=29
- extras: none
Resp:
h=1 m=17
